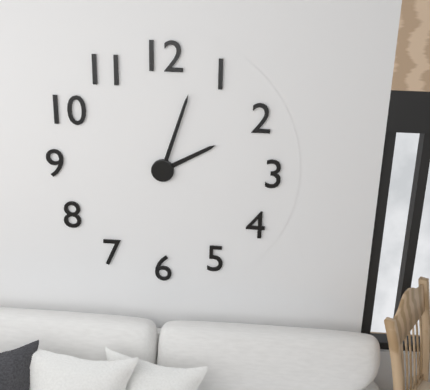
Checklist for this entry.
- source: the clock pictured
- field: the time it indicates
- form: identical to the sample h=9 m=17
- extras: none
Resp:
h=2 m=3
